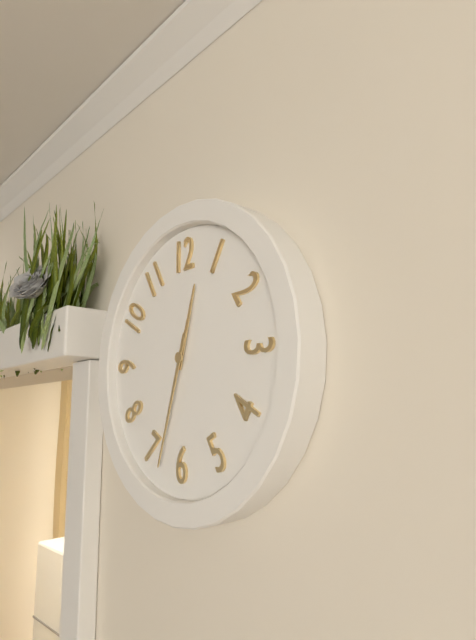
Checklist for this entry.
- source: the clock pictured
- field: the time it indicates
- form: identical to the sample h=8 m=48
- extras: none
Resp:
h=12 m=33
